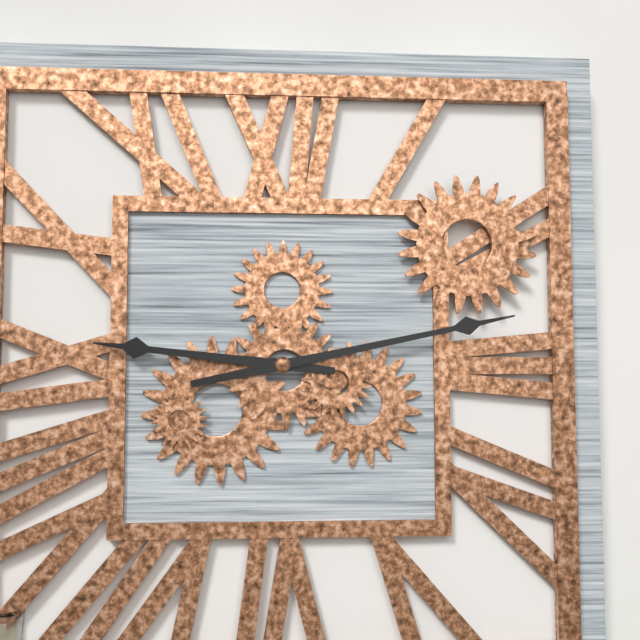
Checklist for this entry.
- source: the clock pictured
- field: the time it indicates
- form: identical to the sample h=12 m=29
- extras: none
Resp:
h=9 m=13
